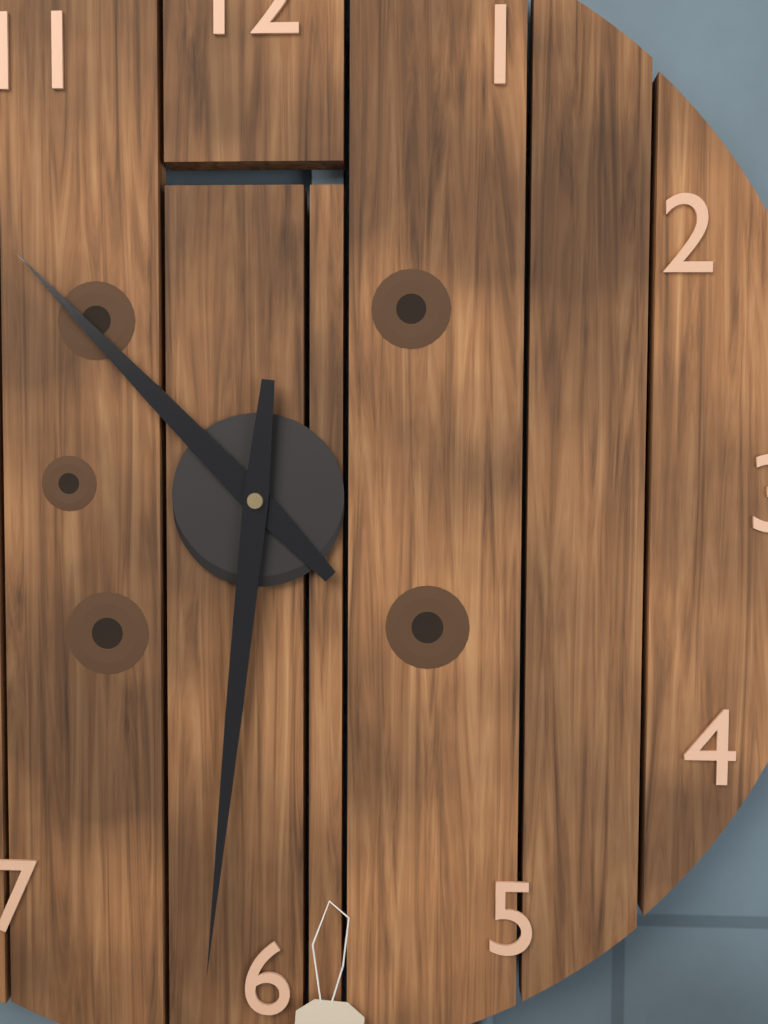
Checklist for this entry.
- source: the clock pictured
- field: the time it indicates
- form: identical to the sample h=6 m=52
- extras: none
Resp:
h=10 m=31
